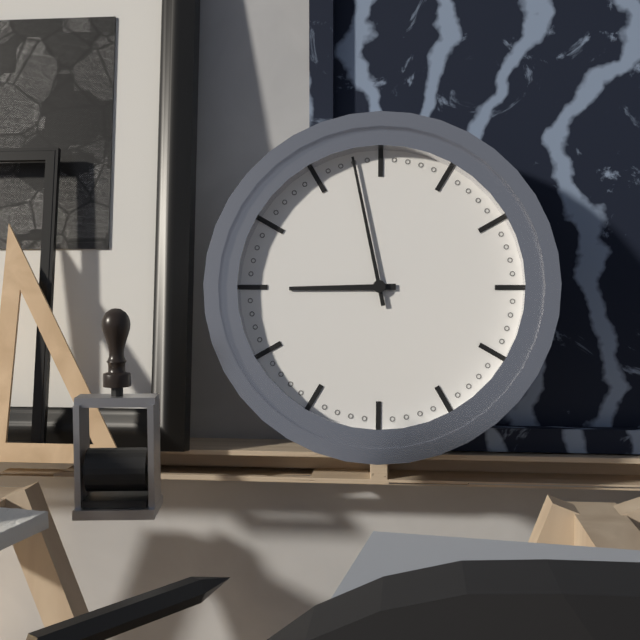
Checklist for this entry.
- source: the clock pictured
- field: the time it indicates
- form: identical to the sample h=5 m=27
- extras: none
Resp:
h=8 m=58
